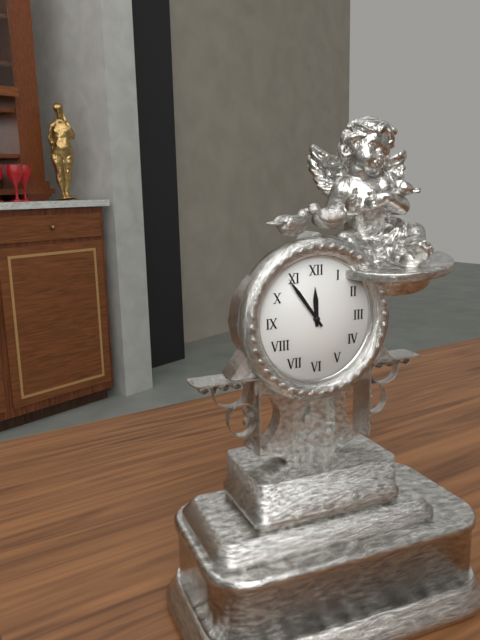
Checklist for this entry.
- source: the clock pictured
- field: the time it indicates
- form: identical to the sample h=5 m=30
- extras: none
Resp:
h=11 m=54
